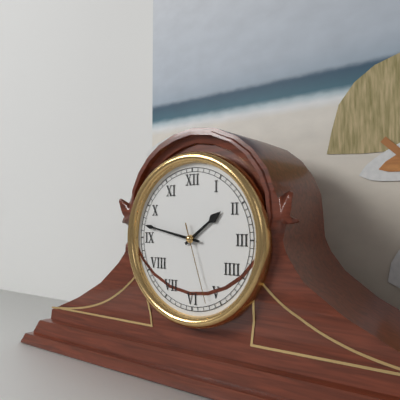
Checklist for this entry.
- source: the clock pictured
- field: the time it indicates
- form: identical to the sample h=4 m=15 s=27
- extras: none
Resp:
h=1 m=47 s=27
